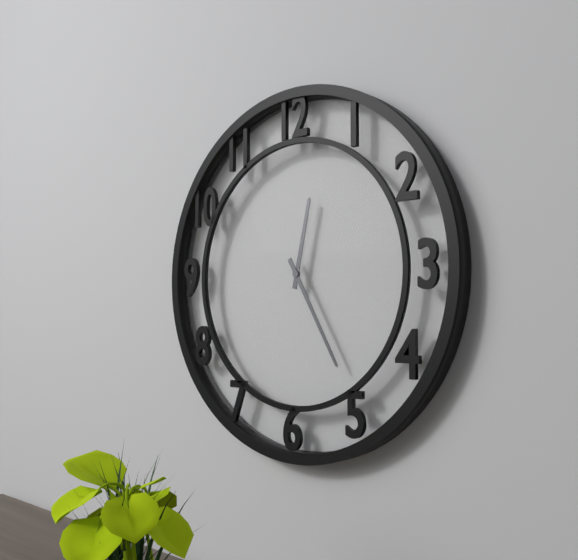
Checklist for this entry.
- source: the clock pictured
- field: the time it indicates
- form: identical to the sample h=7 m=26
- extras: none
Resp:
h=12 m=25
